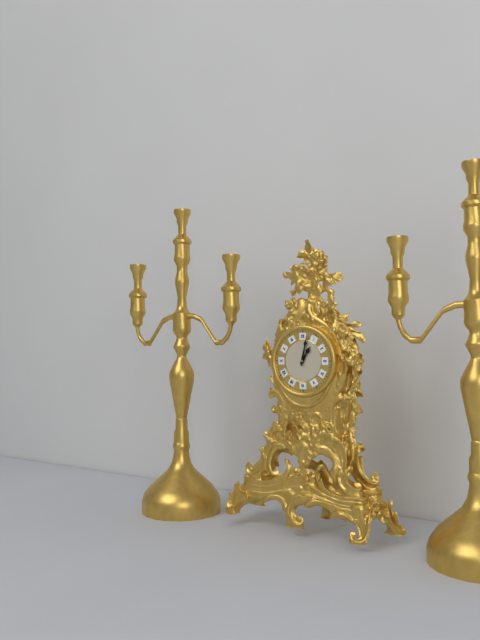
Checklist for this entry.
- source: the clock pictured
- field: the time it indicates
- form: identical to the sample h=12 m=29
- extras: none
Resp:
h=1 m=2
